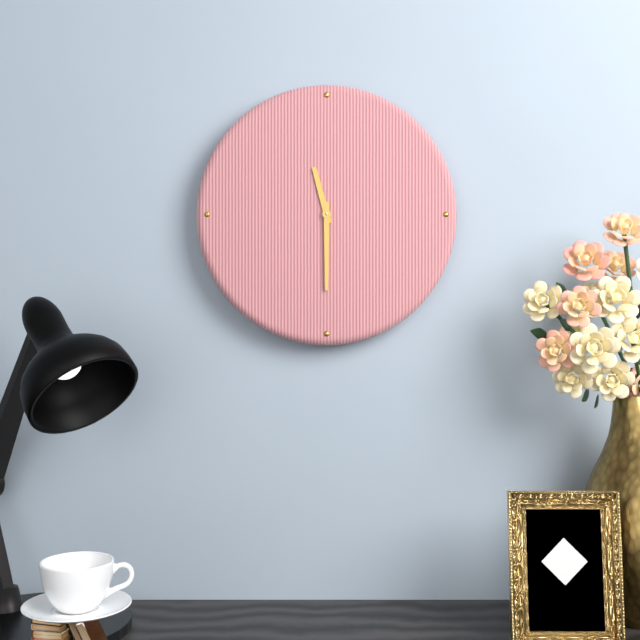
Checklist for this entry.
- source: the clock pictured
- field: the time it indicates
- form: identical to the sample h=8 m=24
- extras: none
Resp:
h=11 m=30
